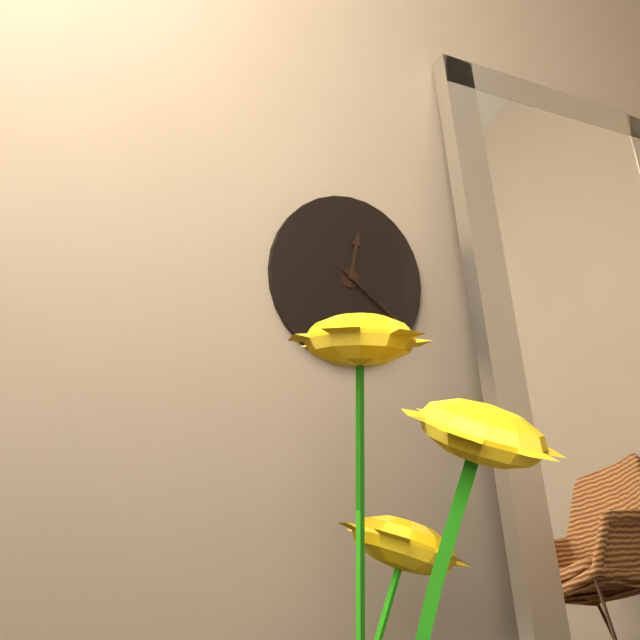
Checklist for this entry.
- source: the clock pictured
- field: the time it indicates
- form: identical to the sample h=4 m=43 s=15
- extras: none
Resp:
h=12 m=21 s=21
